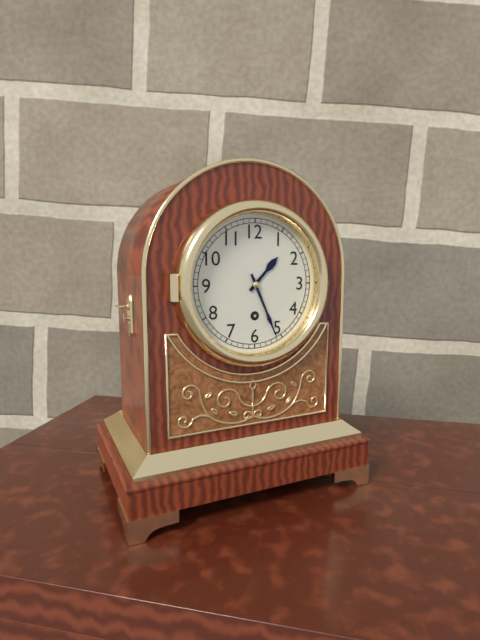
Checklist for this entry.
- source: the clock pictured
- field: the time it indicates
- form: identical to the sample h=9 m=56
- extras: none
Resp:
h=1 m=26
